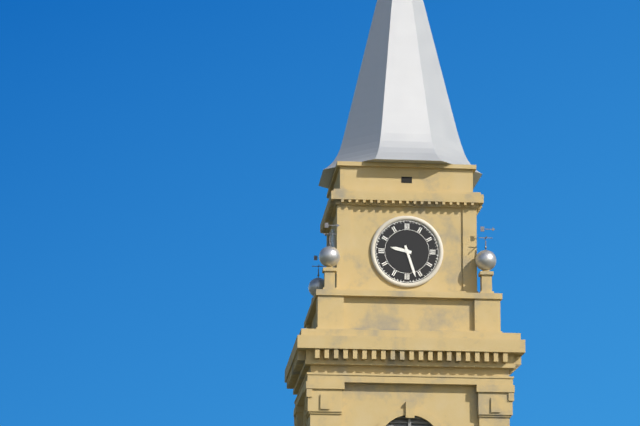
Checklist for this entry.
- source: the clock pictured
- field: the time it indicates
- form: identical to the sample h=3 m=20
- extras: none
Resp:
h=9 m=27
